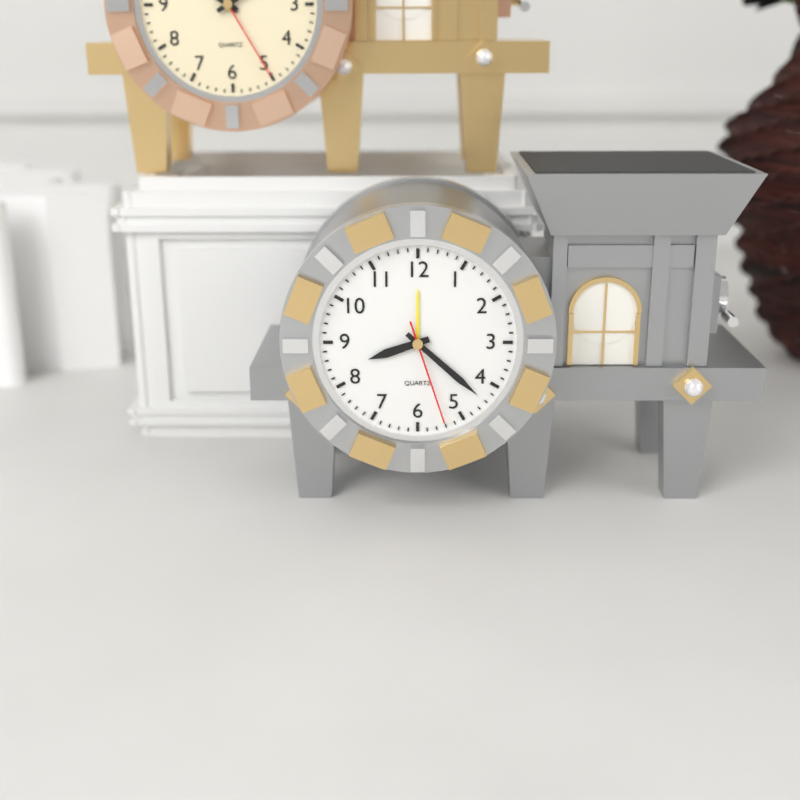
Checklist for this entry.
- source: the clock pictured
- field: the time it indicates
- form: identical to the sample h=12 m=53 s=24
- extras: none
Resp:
h=8 m=22 s=27
